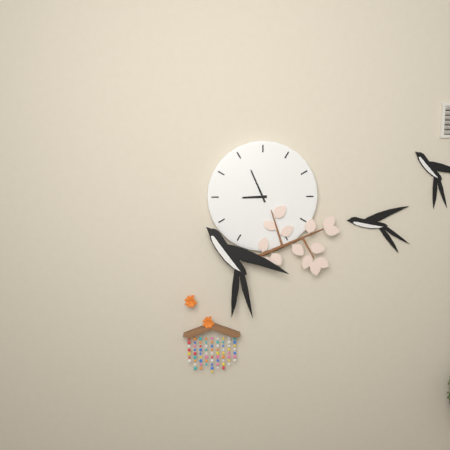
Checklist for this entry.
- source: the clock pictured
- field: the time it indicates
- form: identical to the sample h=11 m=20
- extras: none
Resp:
h=8 m=56
